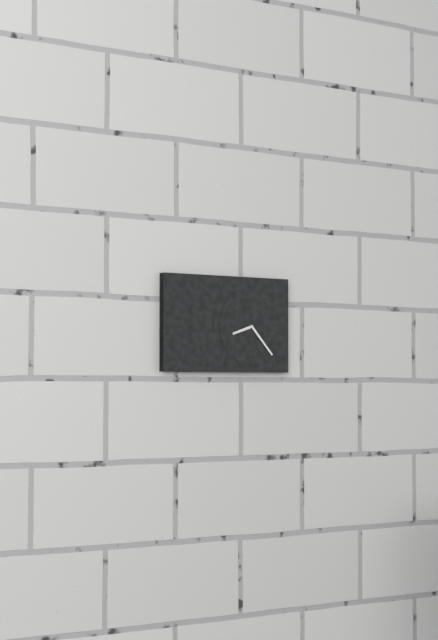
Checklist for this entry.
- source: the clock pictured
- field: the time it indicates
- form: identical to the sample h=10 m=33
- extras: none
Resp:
h=8 m=23
